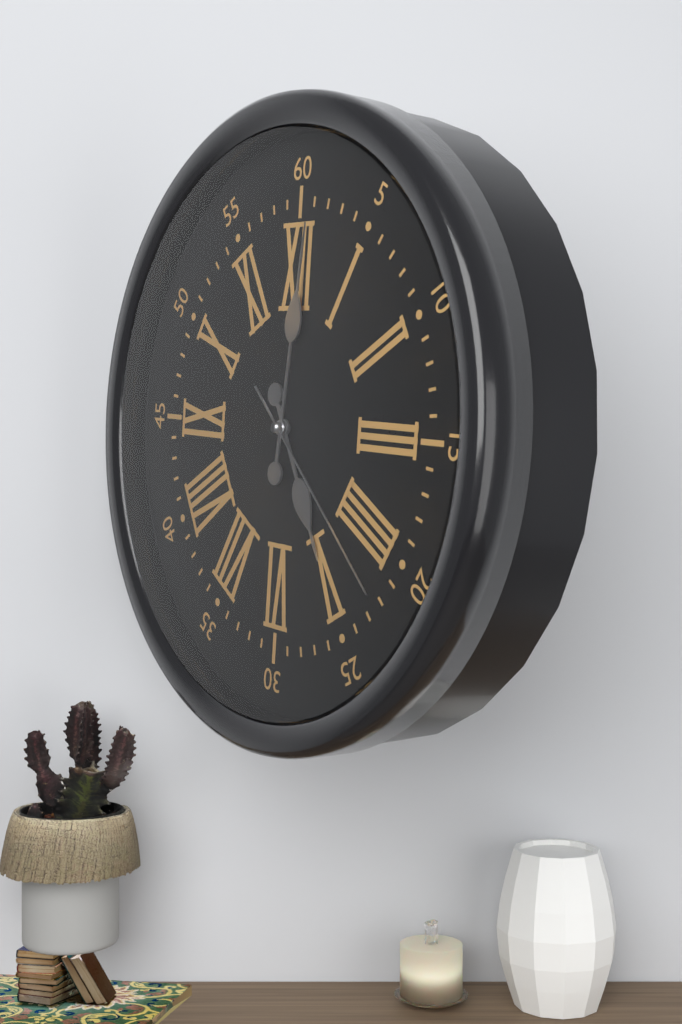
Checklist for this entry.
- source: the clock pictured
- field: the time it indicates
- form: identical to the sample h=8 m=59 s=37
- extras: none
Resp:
h=5 m=1 s=22
